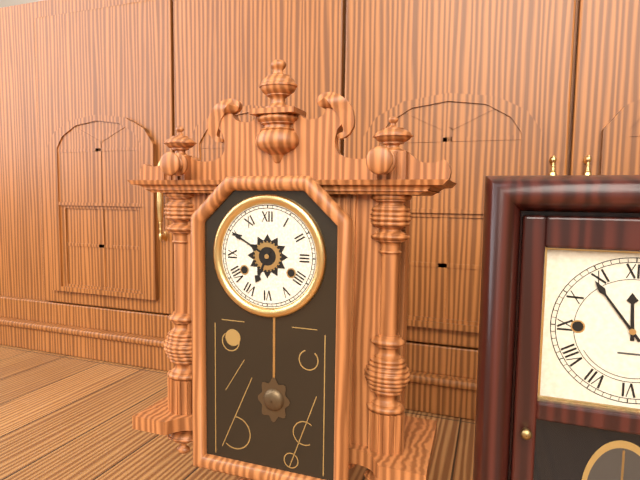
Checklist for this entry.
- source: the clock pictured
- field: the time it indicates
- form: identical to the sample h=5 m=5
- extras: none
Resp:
h=6 m=50
